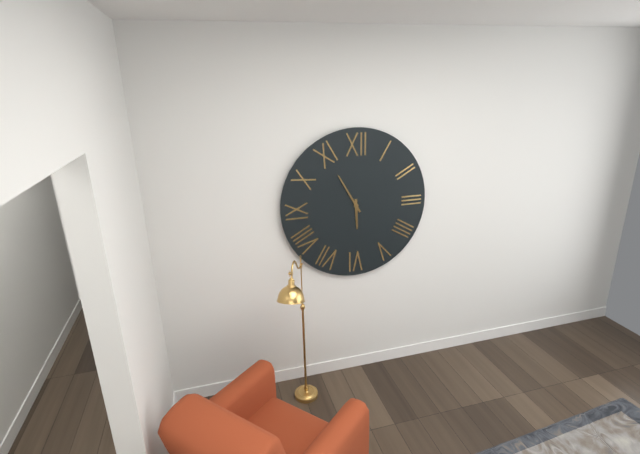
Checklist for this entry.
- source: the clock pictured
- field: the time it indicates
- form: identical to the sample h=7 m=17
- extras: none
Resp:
h=5 m=55
